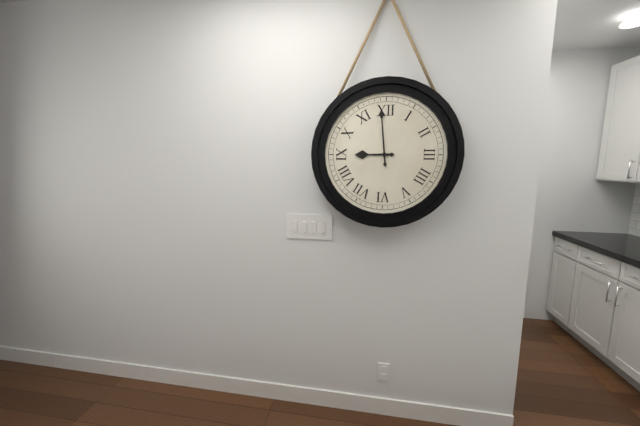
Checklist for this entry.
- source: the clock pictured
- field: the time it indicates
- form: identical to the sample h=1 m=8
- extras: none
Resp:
h=8 m=59
